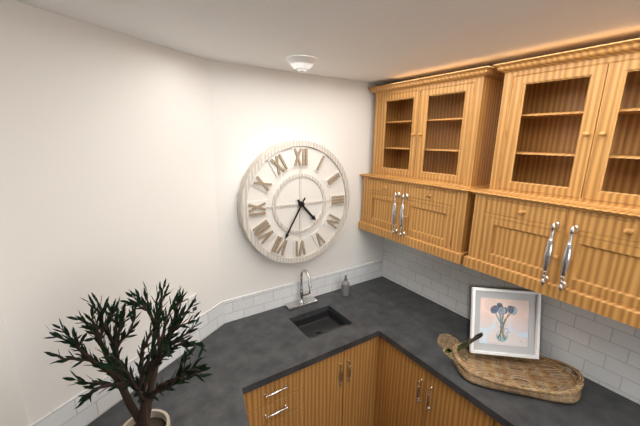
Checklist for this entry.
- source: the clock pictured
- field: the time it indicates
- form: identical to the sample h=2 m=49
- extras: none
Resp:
h=4 m=35
